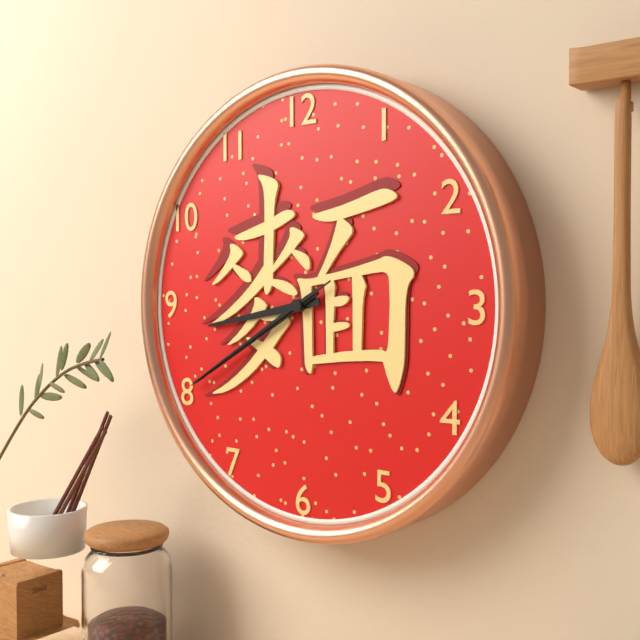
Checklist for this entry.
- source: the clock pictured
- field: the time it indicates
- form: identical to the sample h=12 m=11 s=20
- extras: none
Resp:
h=8 m=40 s=40
